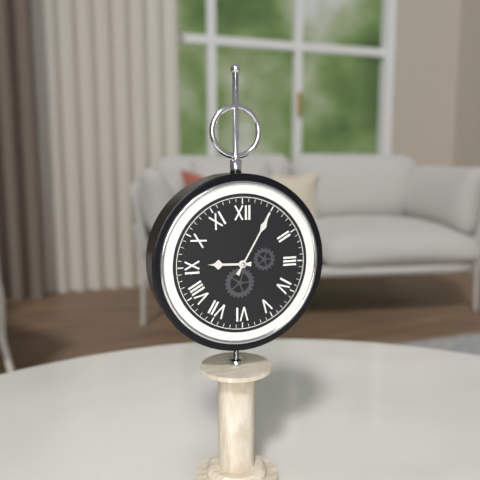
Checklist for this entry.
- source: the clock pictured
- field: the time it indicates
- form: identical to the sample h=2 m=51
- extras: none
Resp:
h=9 m=5
